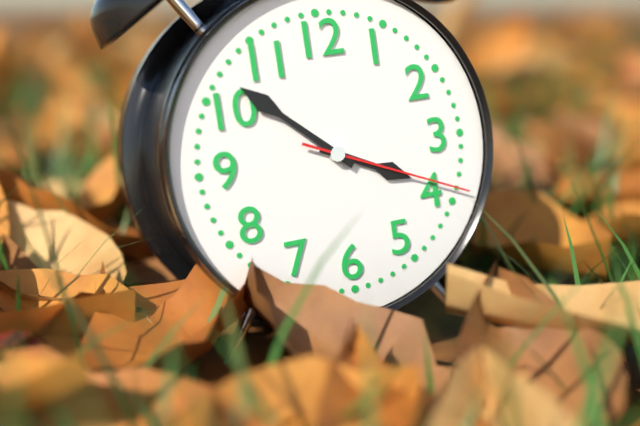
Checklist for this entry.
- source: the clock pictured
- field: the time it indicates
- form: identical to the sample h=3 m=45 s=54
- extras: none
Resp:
h=3 m=52 s=19
